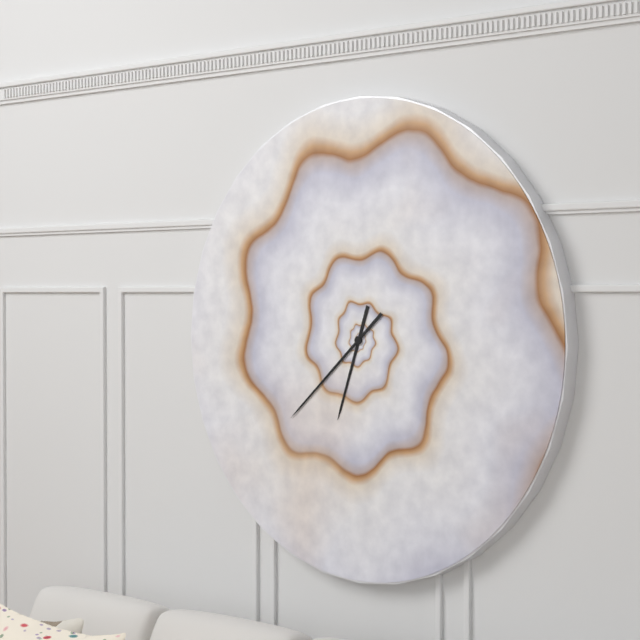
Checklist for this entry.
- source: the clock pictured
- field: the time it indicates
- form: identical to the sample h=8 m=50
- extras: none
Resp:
h=6 m=38
